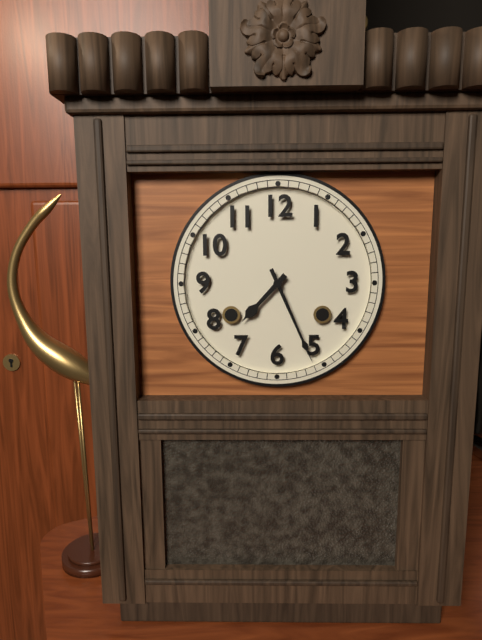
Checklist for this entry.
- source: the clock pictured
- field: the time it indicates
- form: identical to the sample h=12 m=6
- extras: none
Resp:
h=7 m=26
